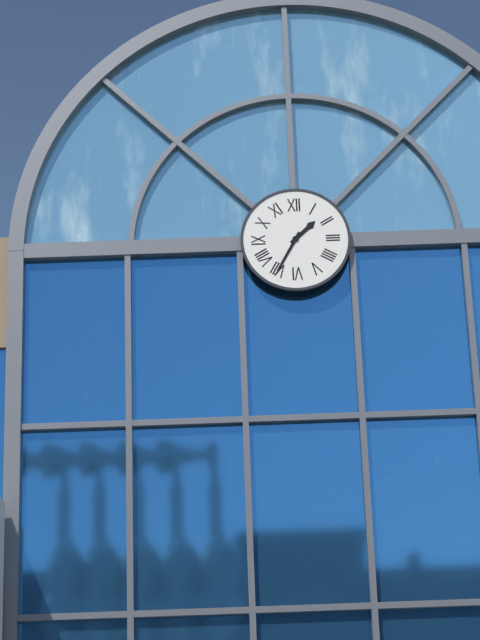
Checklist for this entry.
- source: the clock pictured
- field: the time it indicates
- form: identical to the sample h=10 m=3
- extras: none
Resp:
h=1 m=35
